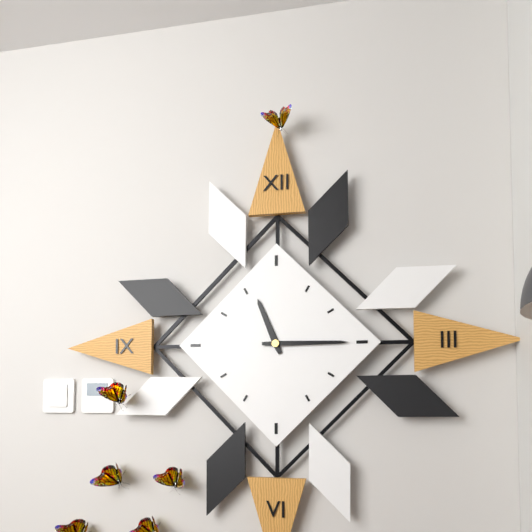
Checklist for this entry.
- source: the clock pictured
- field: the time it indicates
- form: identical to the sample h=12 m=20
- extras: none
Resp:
h=11 m=15
